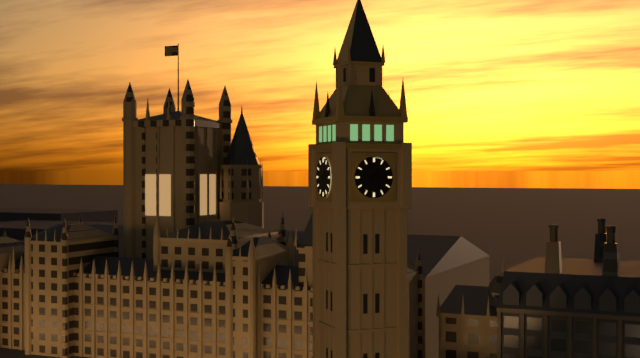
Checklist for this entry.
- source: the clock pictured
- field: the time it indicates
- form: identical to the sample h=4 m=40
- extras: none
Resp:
h=1 m=16
